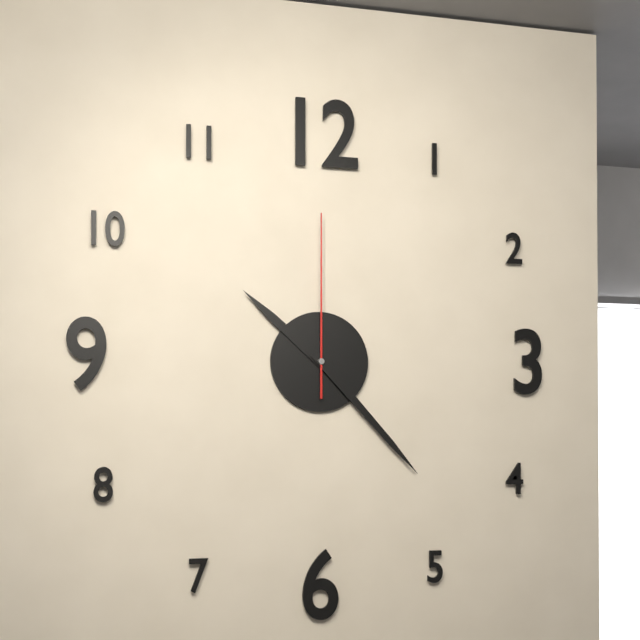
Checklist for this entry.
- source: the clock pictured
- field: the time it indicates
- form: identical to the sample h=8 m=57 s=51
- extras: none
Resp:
h=10 m=23 s=0
